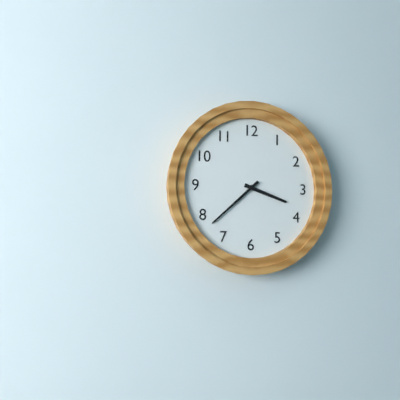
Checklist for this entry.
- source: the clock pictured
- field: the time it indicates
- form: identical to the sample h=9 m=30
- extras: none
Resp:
h=3 m=38
